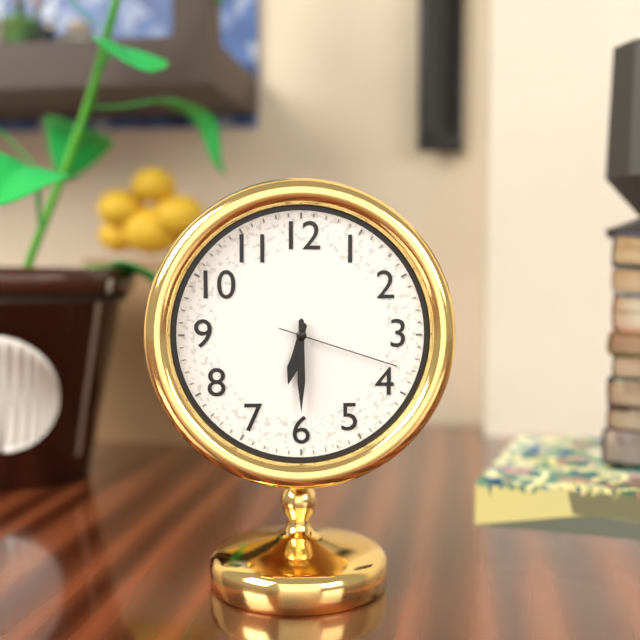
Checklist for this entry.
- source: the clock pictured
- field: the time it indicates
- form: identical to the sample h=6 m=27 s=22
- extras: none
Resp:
h=6 m=30 s=18
